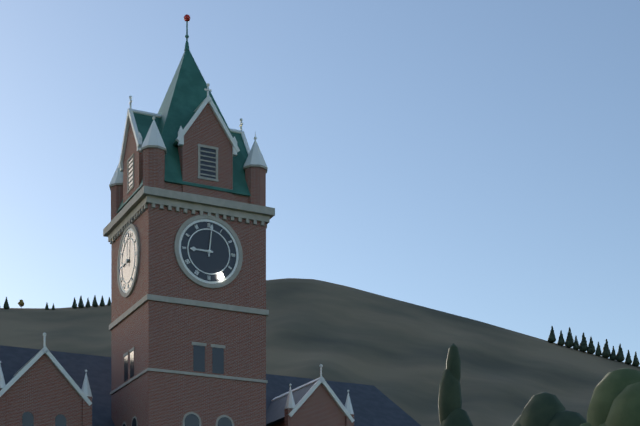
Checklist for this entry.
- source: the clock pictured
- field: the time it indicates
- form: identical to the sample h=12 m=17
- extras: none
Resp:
h=9 m=1
